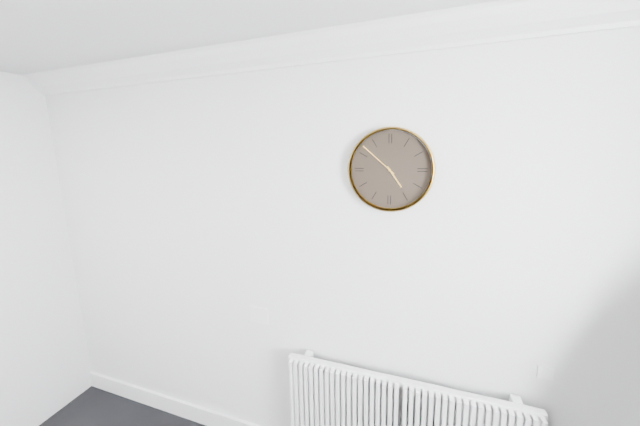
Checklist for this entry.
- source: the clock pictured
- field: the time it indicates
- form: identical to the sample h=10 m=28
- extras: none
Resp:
h=4 m=52
